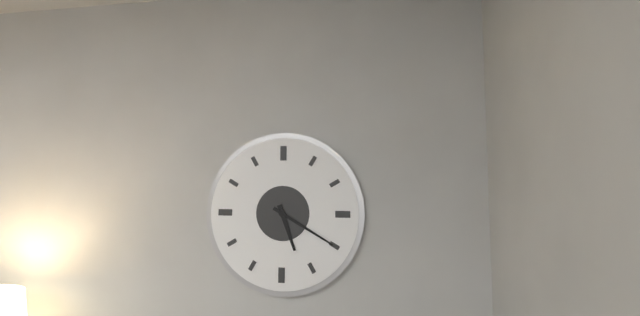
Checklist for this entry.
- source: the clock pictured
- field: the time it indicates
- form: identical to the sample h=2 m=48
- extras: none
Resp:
h=5 m=20
